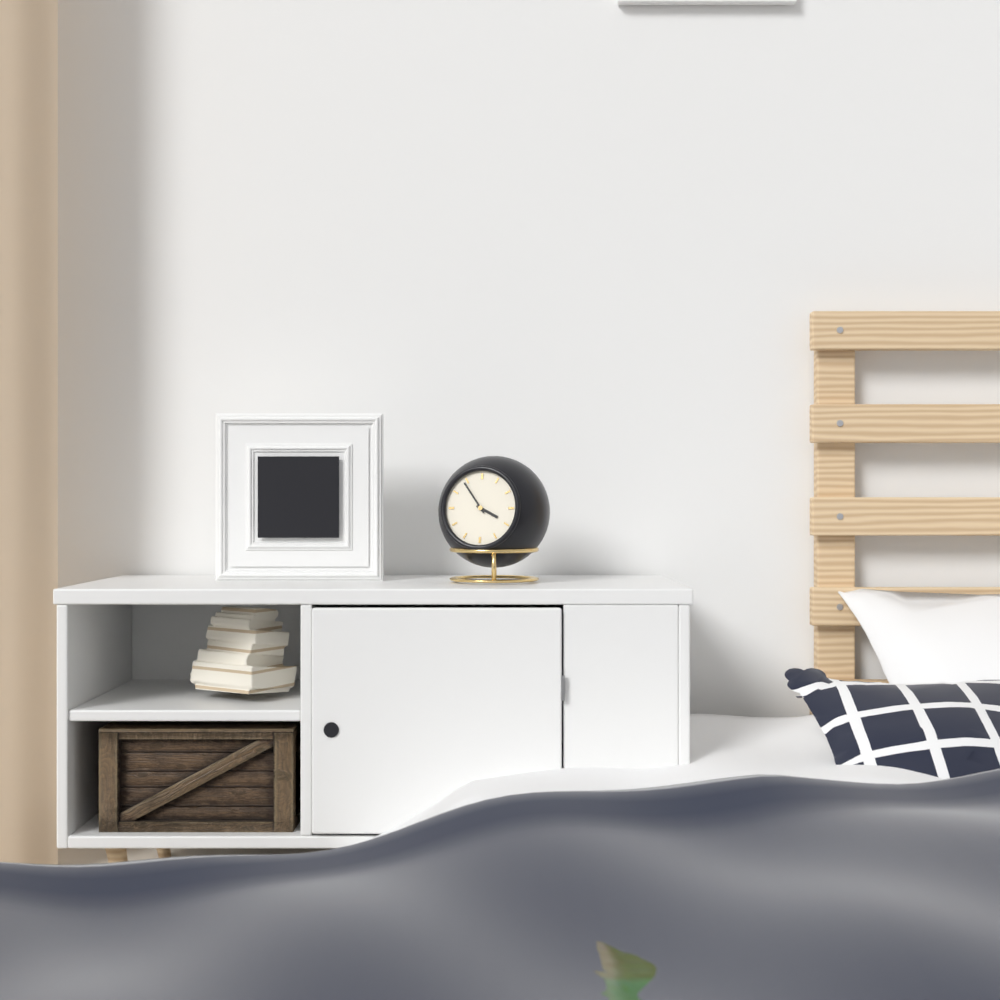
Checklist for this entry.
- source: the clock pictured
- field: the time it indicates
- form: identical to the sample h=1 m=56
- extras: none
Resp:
h=3 m=54
